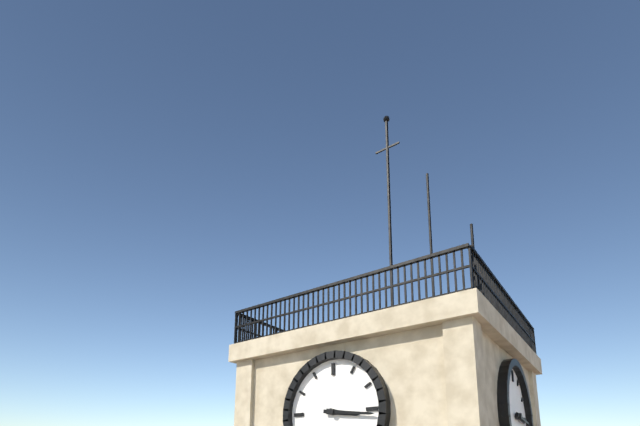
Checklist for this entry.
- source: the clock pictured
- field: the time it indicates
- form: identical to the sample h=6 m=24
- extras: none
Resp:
h=3 m=16
